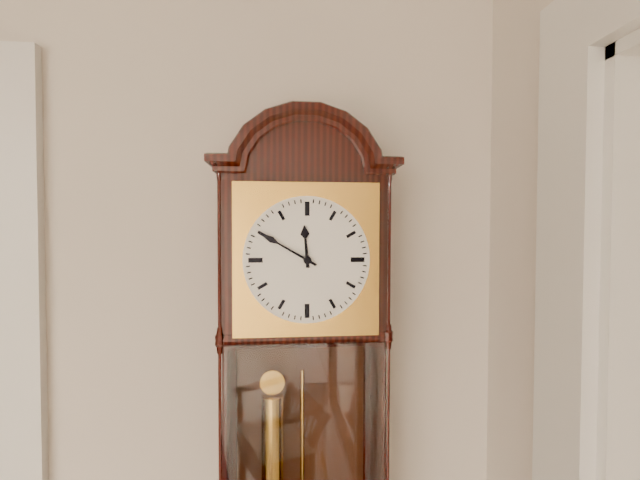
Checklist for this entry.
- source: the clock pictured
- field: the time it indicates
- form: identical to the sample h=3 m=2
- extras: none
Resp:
h=11 m=50
